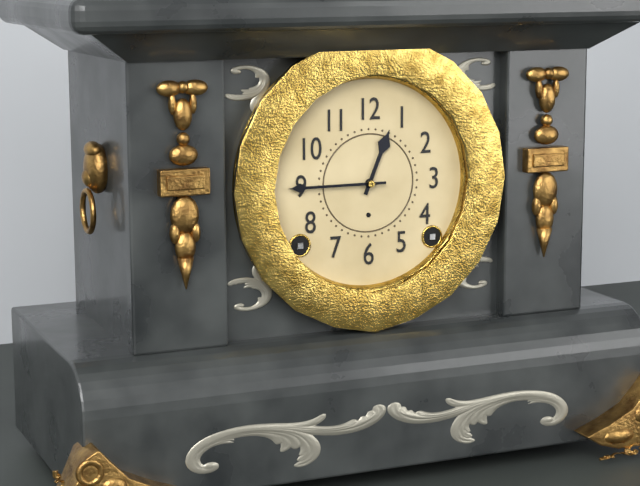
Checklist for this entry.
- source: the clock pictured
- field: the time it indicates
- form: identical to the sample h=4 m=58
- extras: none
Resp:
h=12 m=45
